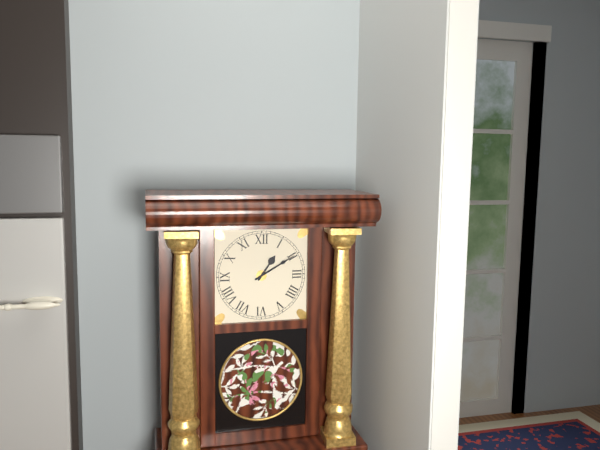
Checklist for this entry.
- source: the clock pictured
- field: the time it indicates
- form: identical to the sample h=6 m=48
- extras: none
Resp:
h=1 m=10
